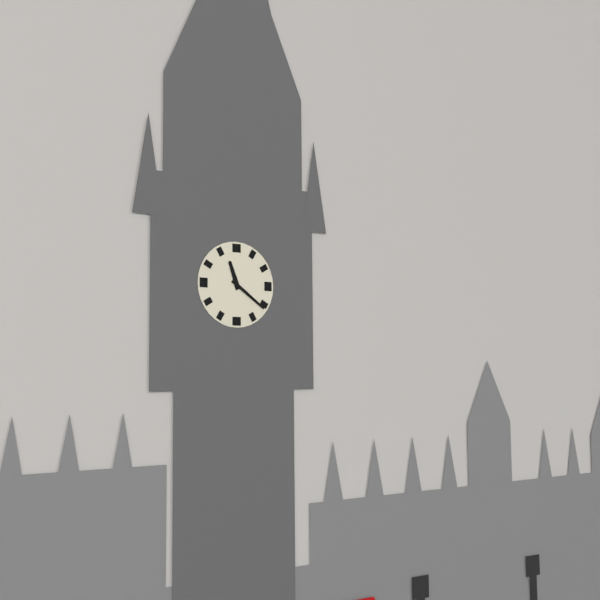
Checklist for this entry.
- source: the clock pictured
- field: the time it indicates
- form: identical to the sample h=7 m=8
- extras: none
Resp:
h=11 m=21
